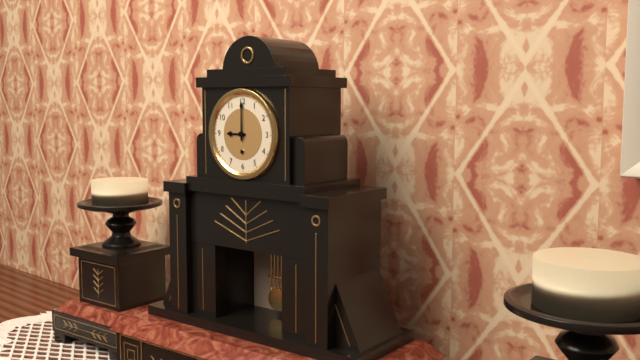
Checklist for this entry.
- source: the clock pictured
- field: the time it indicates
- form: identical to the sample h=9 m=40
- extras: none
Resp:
h=9 m=0
